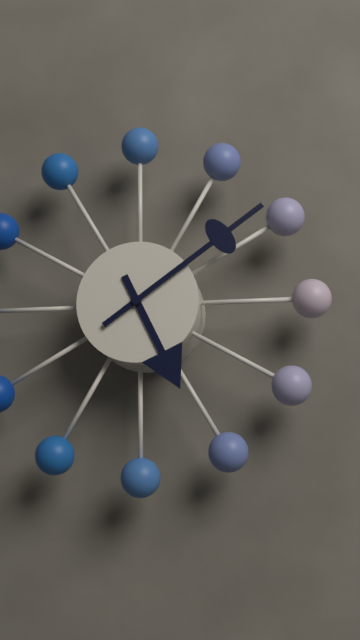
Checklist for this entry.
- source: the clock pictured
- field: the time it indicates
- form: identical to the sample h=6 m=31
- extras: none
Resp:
h=5 m=9
